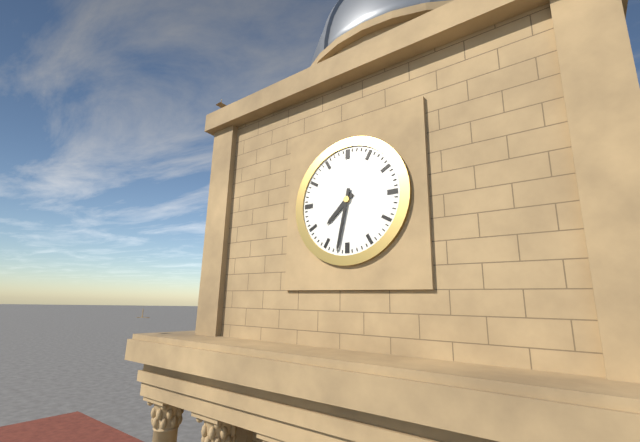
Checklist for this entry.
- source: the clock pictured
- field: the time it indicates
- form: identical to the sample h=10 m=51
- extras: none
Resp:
h=7 m=32
